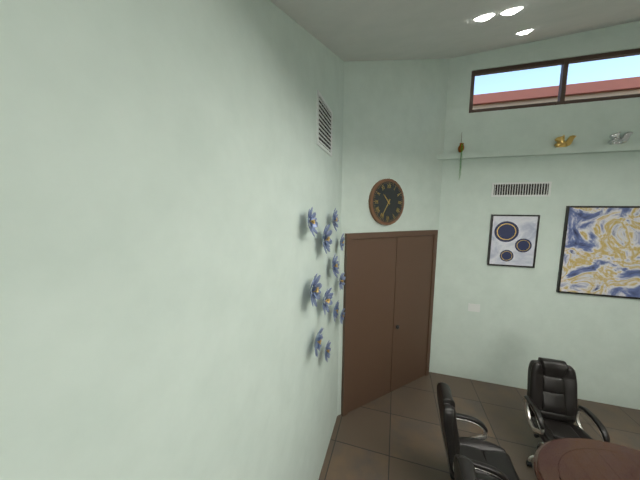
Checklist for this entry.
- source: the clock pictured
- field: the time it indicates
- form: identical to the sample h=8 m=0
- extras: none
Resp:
h=10 m=35
